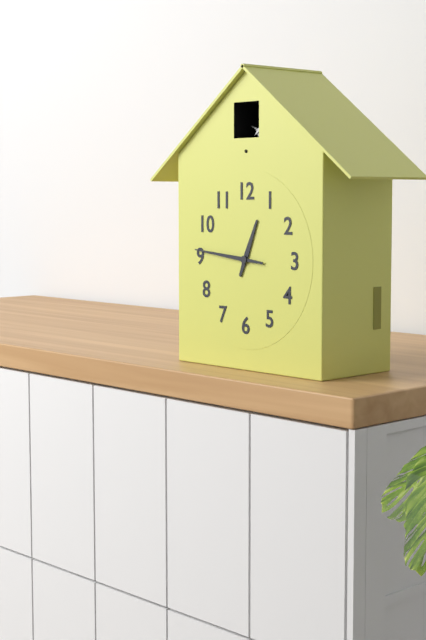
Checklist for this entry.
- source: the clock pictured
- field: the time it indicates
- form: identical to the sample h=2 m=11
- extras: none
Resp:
h=12 m=46
